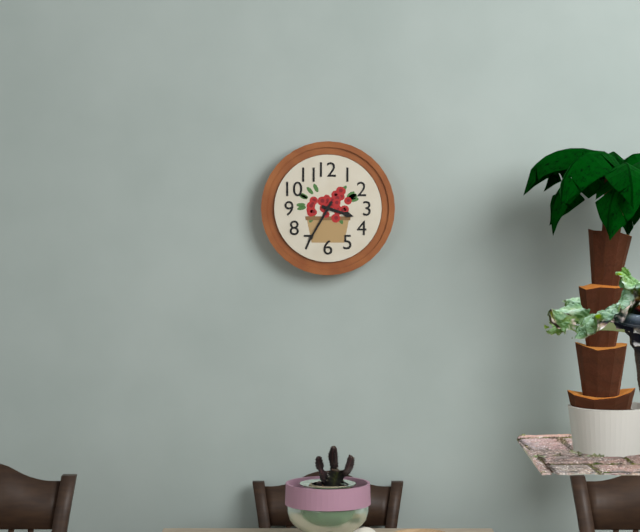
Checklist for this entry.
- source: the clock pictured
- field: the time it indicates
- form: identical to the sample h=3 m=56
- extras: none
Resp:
h=3 m=35
